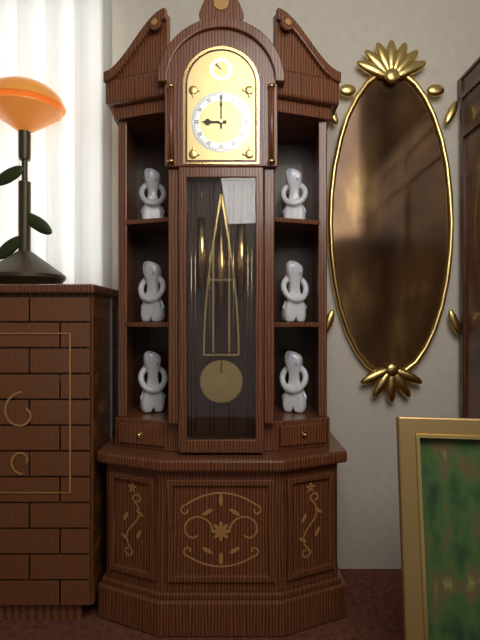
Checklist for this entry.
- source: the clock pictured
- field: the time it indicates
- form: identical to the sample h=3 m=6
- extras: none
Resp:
h=9 m=0
